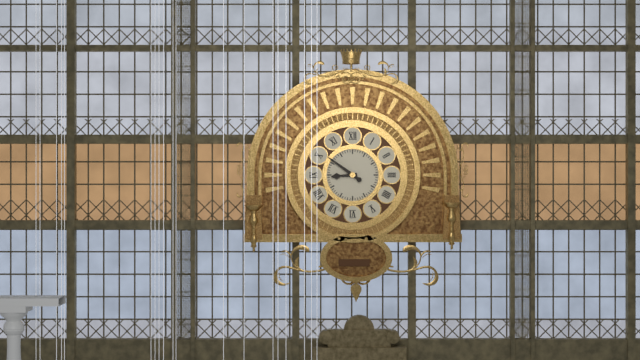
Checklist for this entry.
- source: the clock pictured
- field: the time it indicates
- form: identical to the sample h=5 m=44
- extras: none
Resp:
h=8 m=51
